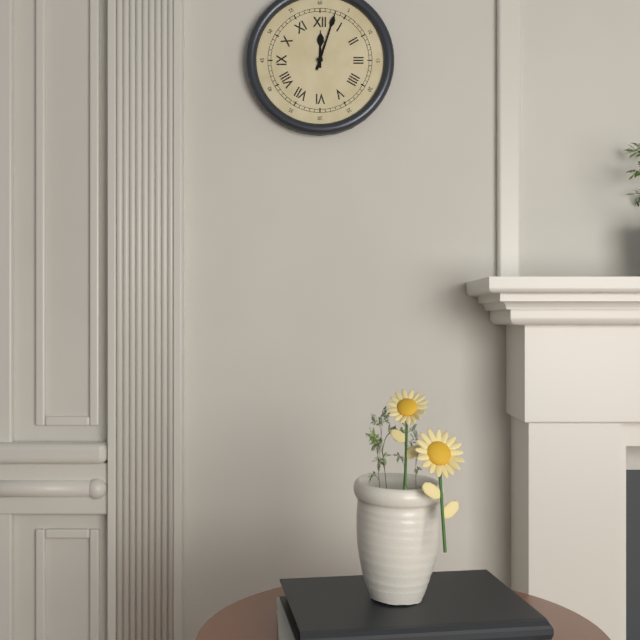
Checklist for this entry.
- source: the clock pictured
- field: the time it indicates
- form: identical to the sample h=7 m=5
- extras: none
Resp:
h=12 m=3
